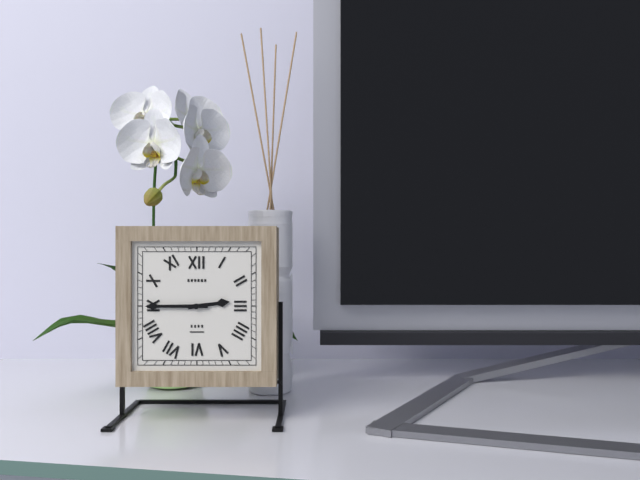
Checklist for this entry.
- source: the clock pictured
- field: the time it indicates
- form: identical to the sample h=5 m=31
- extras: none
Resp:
h=2 m=45
